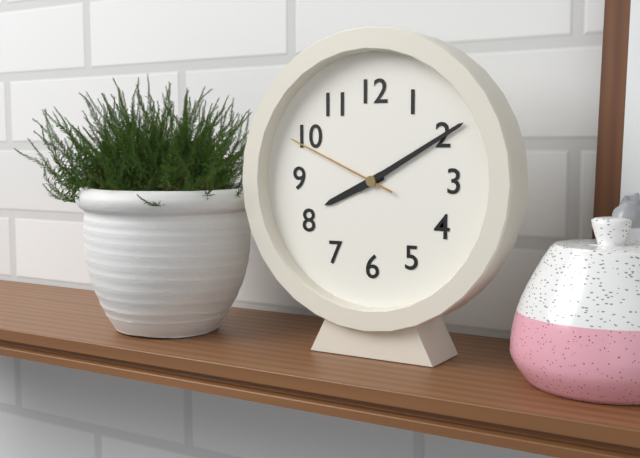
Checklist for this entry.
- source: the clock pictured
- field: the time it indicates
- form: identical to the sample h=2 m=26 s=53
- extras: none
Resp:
h=8 m=10 s=49
